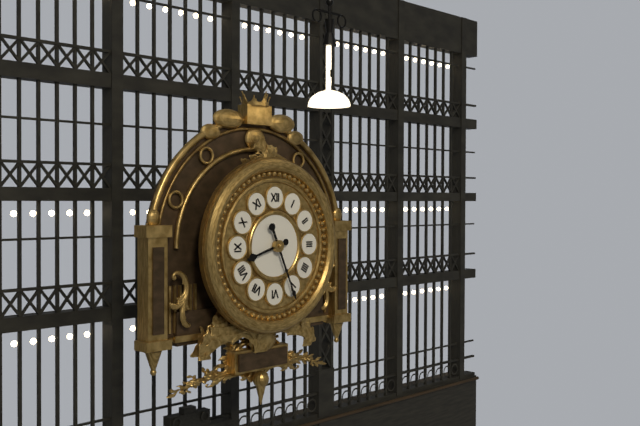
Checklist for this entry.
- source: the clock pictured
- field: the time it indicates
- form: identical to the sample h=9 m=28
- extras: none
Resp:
h=8 m=26
